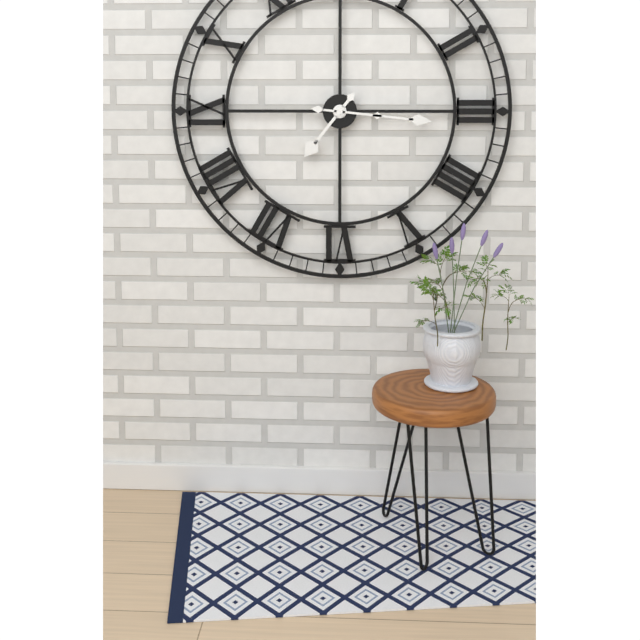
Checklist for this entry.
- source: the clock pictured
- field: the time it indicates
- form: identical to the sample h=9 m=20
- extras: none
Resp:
h=7 m=16
